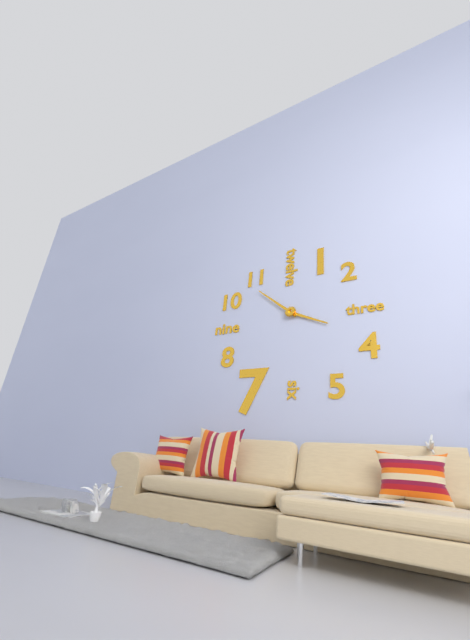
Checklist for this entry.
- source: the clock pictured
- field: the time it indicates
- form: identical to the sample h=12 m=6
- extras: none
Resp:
h=3 m=52
